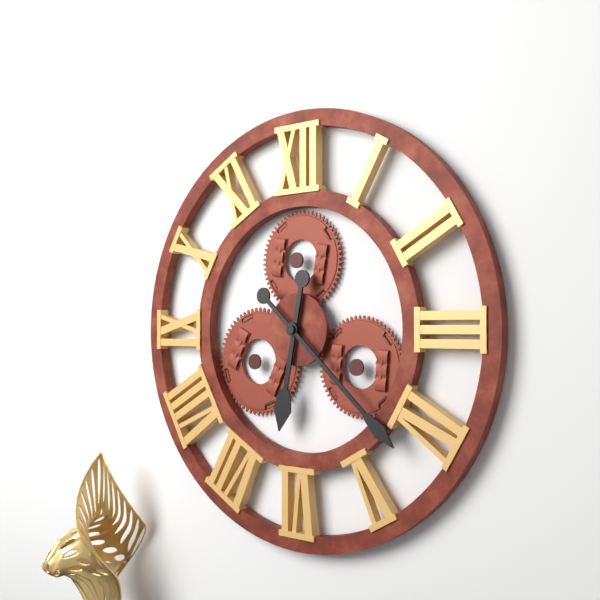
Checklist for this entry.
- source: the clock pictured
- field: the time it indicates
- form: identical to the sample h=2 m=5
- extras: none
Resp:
h=6 m=22
